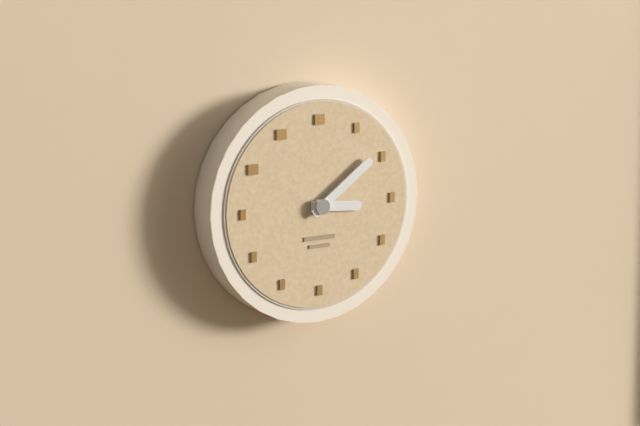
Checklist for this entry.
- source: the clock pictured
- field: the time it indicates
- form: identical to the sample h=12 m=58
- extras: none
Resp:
h=3 m=9
